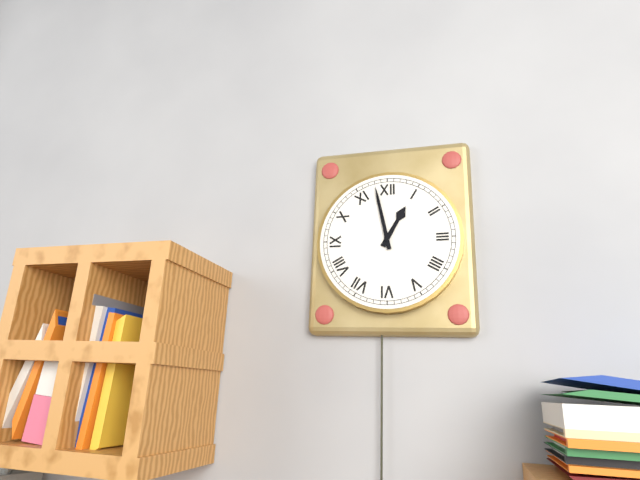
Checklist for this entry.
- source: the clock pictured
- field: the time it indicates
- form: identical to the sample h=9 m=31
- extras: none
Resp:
h=12 m=58
